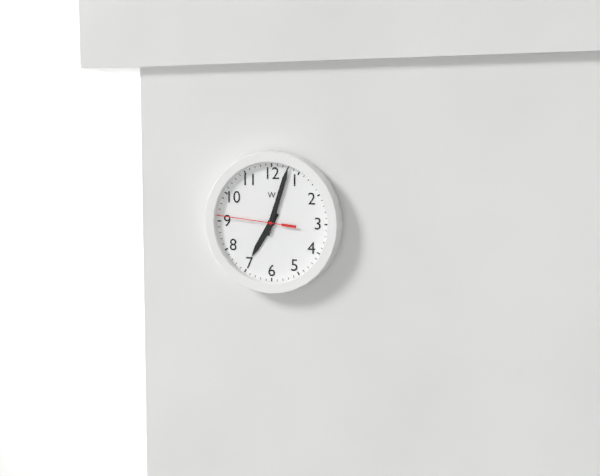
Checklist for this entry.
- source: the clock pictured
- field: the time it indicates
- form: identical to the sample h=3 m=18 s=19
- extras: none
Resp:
h=7 m=3 s=46
